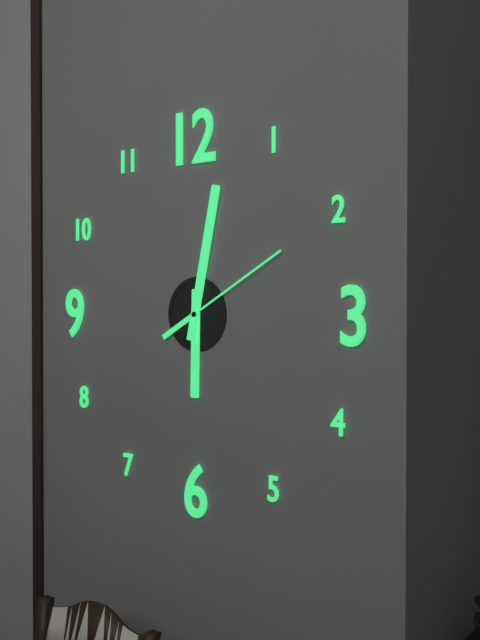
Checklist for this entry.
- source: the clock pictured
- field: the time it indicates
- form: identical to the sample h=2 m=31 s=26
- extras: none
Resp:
h=6 m=2 s=10
